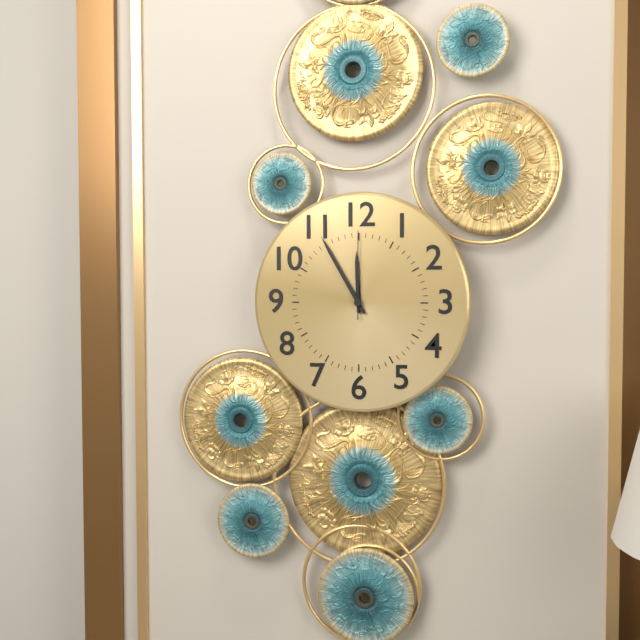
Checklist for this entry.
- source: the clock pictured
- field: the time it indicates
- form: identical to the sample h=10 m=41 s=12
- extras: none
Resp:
h=11 m=55 s=0
